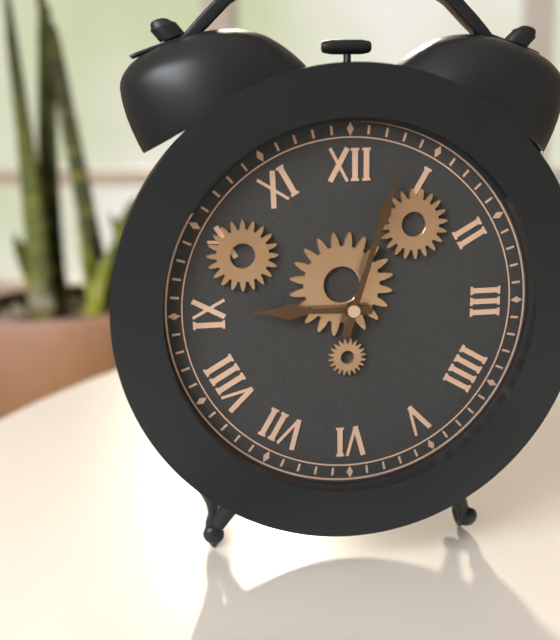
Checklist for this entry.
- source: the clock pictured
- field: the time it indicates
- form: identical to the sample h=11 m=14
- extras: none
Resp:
h=9 m=3
